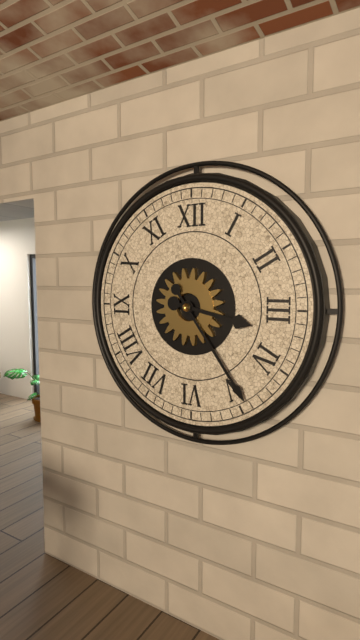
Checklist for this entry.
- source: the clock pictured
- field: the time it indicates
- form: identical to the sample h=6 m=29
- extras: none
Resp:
h=3 m=24
